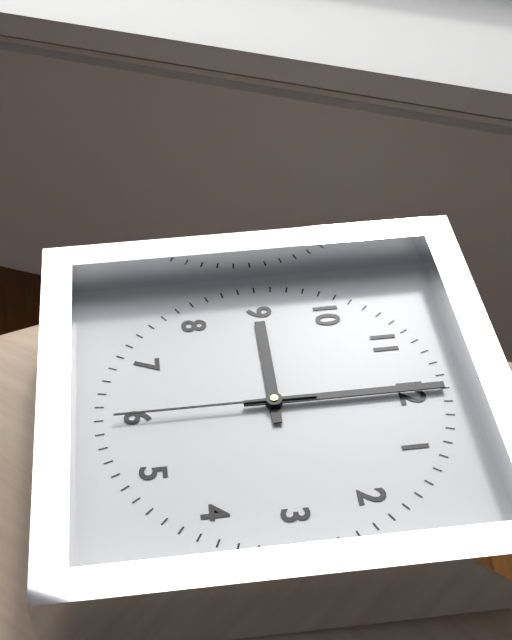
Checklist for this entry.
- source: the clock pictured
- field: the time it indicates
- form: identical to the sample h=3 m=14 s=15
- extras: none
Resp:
h=9 m=0 s=30
